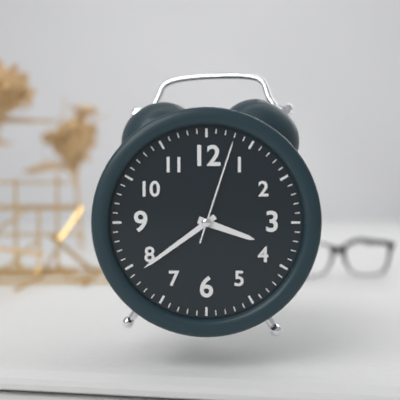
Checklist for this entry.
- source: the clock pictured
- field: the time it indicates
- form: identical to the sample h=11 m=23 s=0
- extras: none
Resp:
h=3 m=39 s=3
